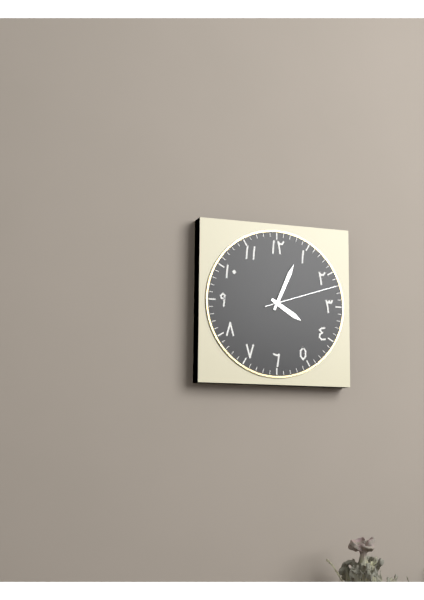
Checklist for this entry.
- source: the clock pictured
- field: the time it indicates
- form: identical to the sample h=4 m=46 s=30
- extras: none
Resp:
h=4 m=4 s=12
